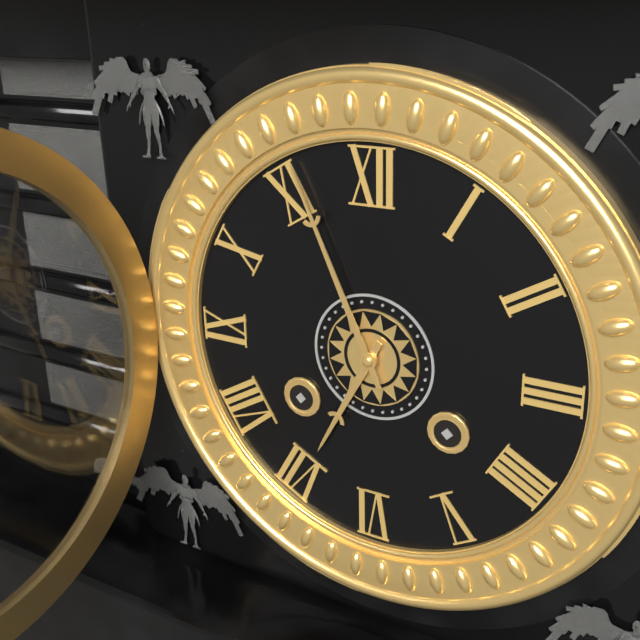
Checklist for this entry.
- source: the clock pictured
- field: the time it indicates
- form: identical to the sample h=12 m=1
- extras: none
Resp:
h=6 m=56
